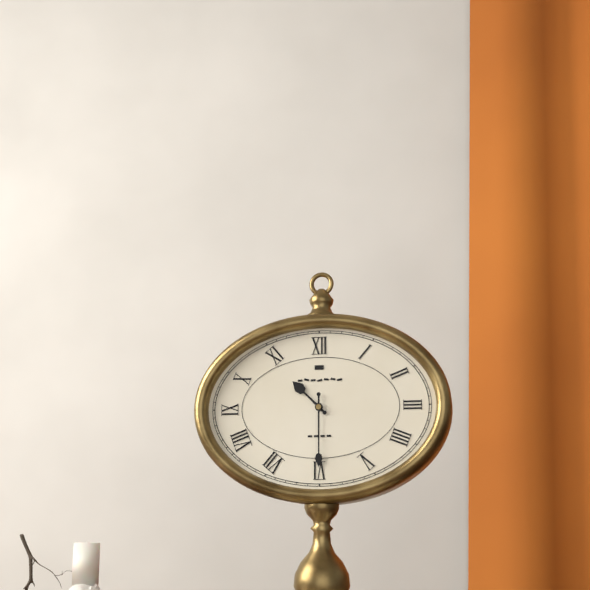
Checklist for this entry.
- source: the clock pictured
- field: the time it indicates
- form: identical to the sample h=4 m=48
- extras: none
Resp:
h=10 m=30
